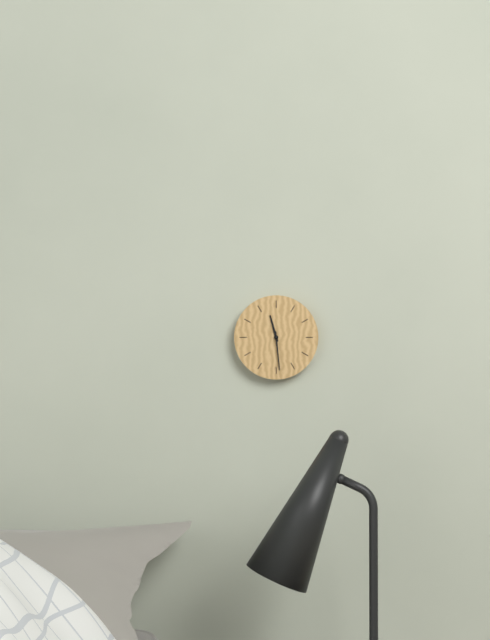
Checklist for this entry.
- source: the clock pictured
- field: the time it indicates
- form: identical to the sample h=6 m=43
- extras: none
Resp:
h=11 m=29
